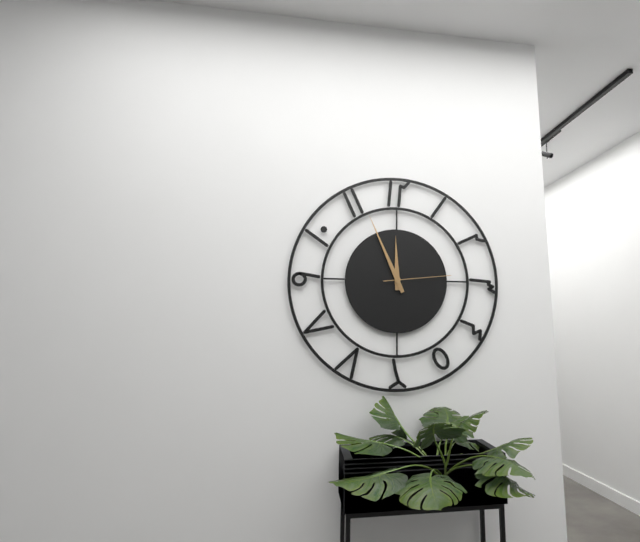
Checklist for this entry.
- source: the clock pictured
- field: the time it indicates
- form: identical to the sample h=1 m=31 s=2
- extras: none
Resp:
h=11 m=56 s=14
